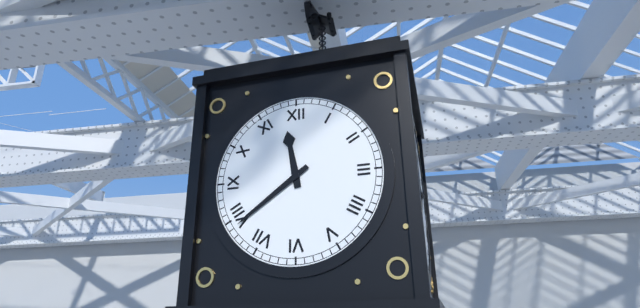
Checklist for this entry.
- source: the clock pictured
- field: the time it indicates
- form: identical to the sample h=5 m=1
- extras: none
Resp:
h=11 m=39
